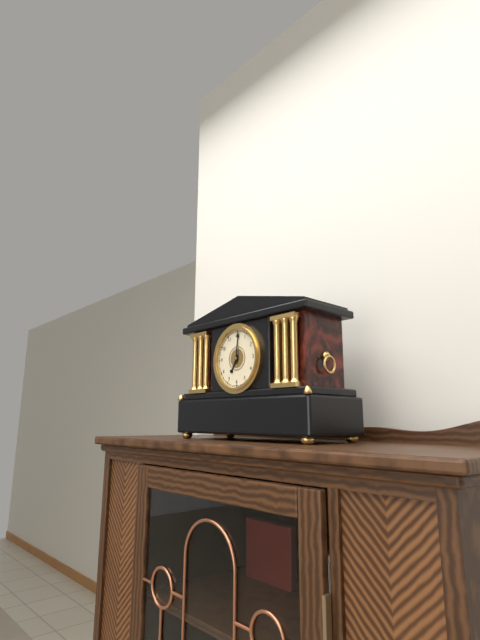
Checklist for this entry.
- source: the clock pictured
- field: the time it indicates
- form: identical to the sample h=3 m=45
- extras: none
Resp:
h=7 m=1
